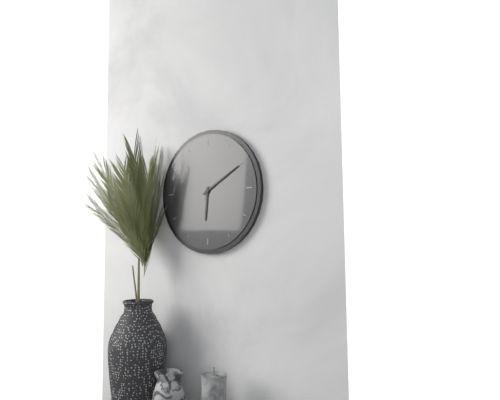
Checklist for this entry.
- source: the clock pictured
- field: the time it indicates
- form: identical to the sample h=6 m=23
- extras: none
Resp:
h=6 m=10
